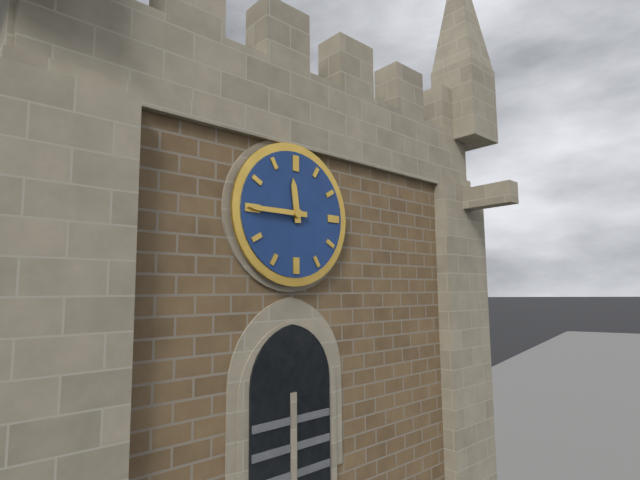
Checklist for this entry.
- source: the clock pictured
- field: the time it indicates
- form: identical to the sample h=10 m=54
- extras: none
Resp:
h=11 m=45
